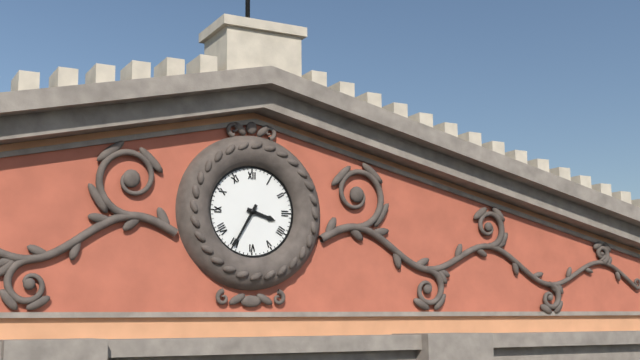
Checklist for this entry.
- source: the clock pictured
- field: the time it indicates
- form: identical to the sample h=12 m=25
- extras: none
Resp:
h=3 m=35
